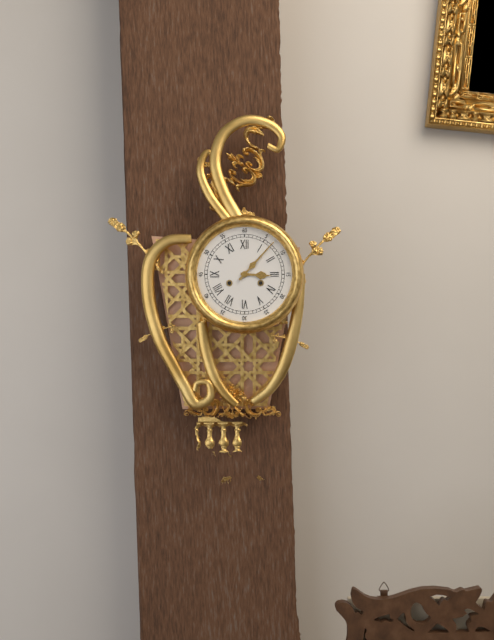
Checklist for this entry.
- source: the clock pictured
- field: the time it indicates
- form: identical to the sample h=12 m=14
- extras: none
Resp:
h=3 m=7
